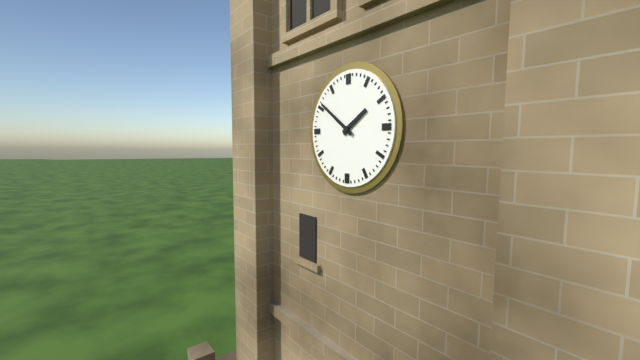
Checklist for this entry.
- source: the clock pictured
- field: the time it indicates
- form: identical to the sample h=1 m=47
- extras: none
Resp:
h=1 m=51
